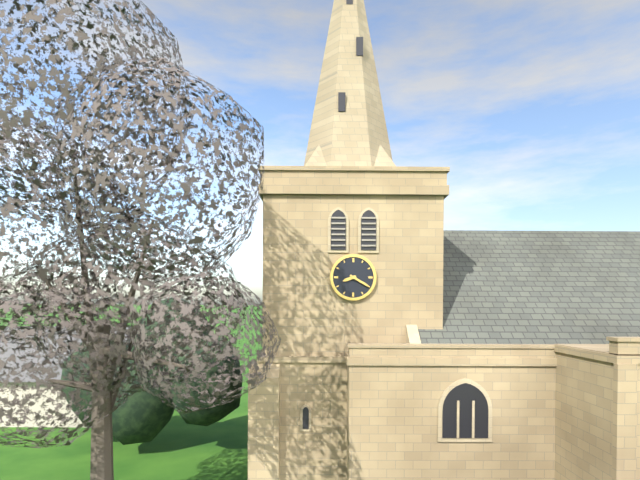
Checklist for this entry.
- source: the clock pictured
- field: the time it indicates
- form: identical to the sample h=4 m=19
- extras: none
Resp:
h=8 m=20
